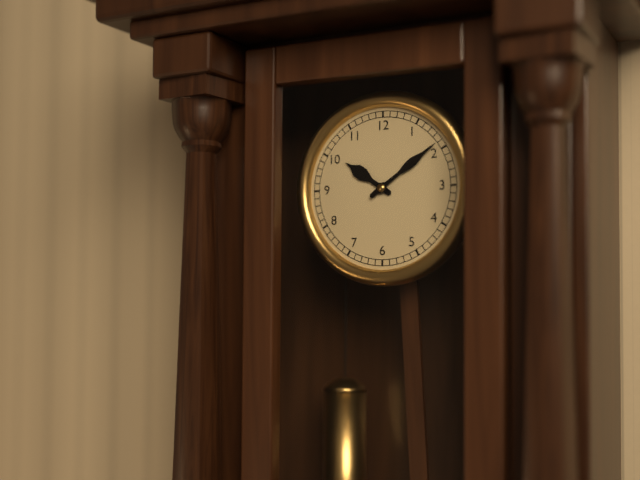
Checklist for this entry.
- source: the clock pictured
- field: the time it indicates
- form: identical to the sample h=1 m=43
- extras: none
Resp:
h=10 m=9
